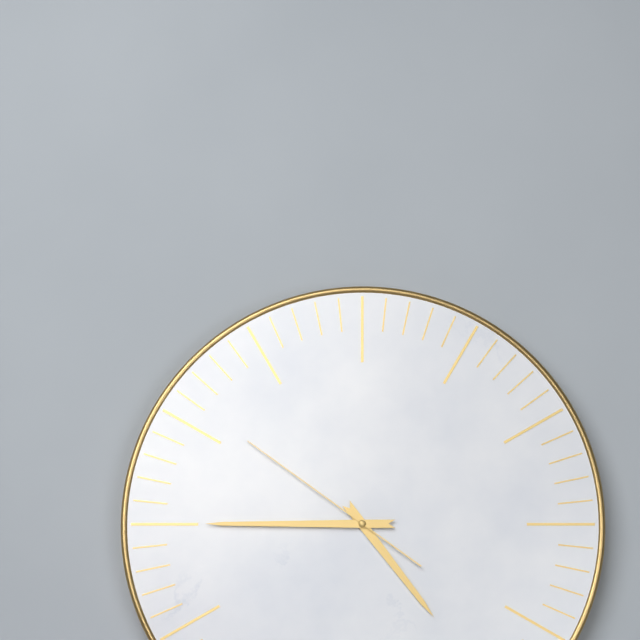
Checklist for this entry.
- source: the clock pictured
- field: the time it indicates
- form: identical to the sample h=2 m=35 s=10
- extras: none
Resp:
h=4 m=45 s=51
